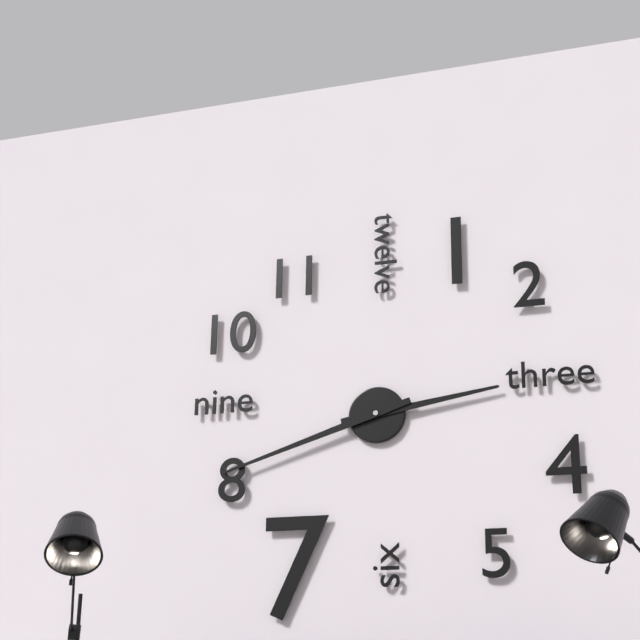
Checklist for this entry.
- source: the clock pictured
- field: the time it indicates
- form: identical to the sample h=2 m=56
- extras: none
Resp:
h=2 m=42
